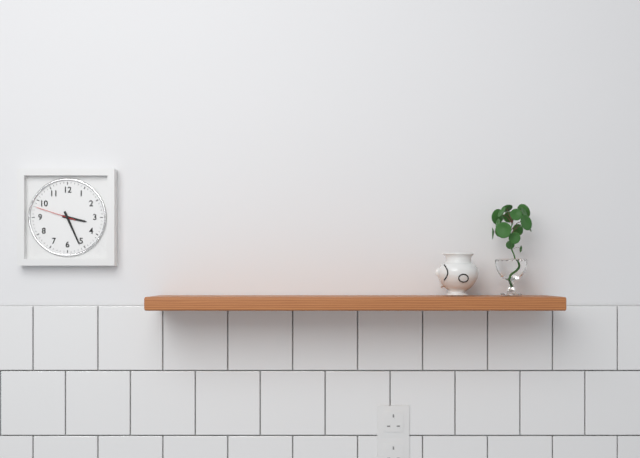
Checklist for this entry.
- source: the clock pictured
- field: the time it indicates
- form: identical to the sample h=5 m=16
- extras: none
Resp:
h=3 m=26
